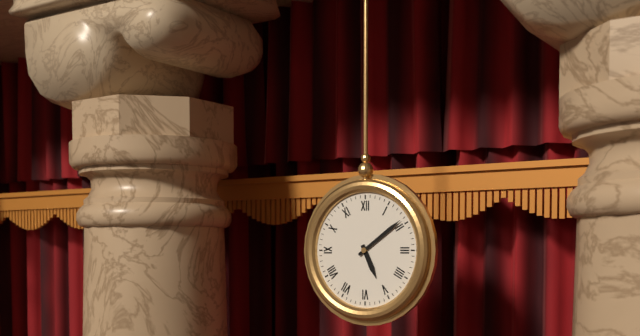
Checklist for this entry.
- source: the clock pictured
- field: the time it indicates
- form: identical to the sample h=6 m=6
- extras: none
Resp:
h=5 m=9
